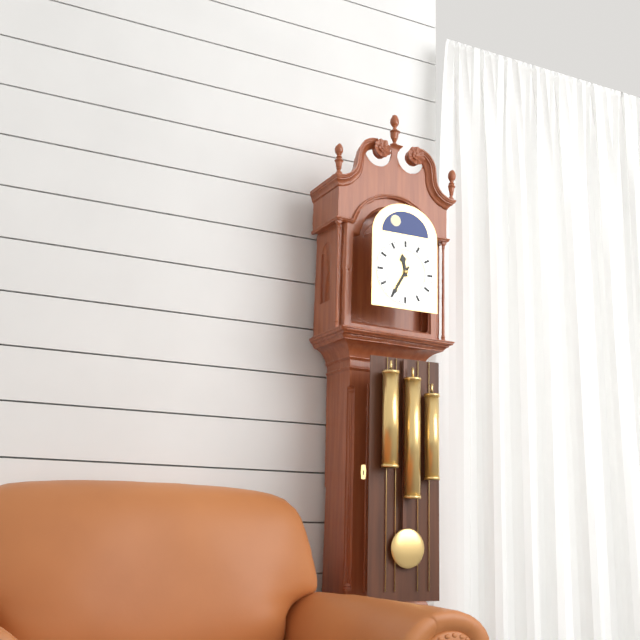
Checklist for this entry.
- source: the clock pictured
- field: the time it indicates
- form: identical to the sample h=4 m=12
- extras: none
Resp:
h=11 m=35
